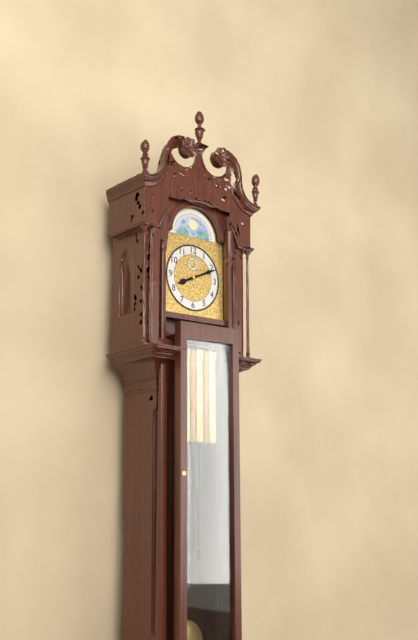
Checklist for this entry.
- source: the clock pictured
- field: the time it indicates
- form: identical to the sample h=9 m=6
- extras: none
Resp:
h=8 m=11
